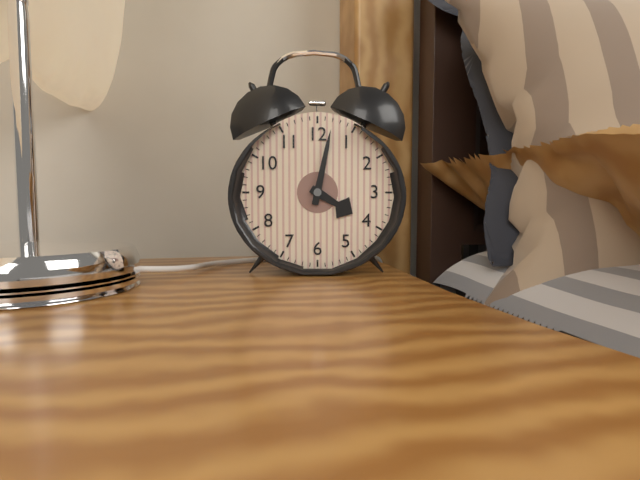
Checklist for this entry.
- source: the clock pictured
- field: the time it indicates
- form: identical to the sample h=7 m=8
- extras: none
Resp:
h=4 m=2
